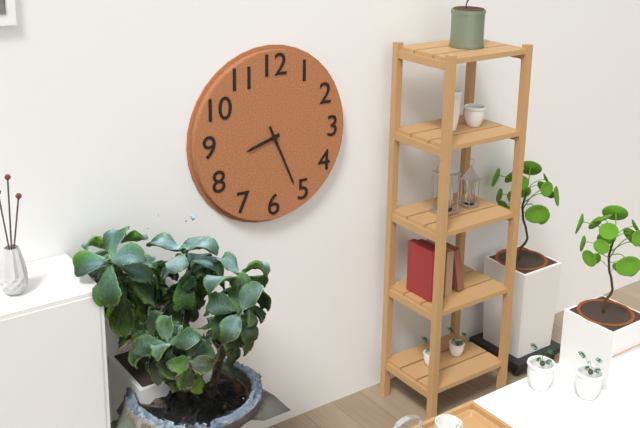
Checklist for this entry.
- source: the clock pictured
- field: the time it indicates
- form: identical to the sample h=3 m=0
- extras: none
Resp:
h=8 m=26
